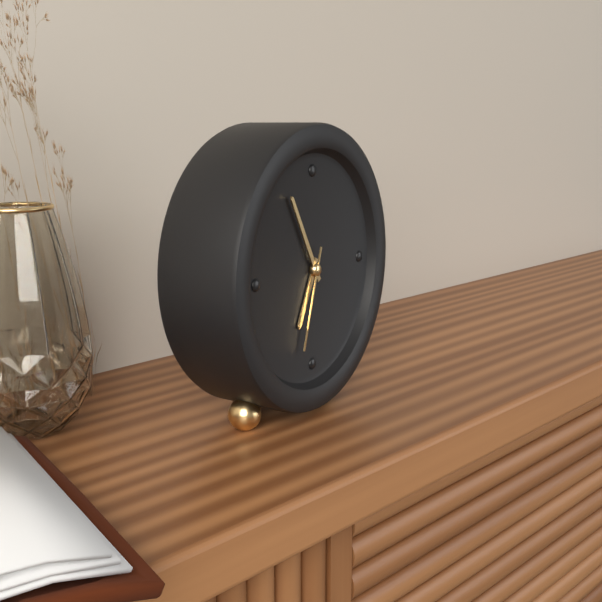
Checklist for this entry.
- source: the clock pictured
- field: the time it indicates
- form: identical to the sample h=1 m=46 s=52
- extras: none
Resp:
h=6 m=55 s=33
